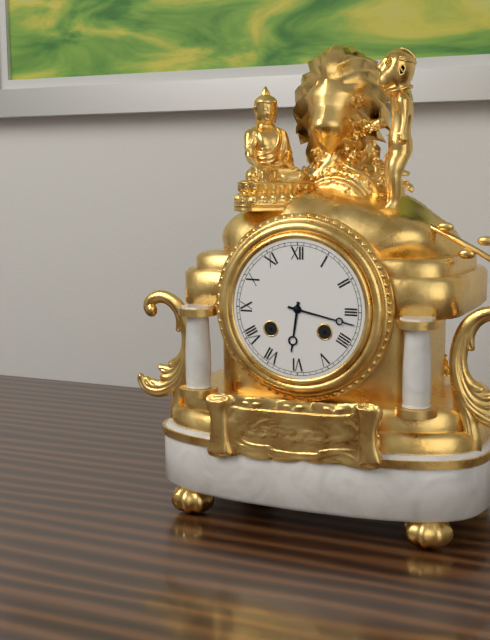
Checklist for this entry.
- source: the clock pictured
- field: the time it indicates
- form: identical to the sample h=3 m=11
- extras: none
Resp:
h=6 m=17
